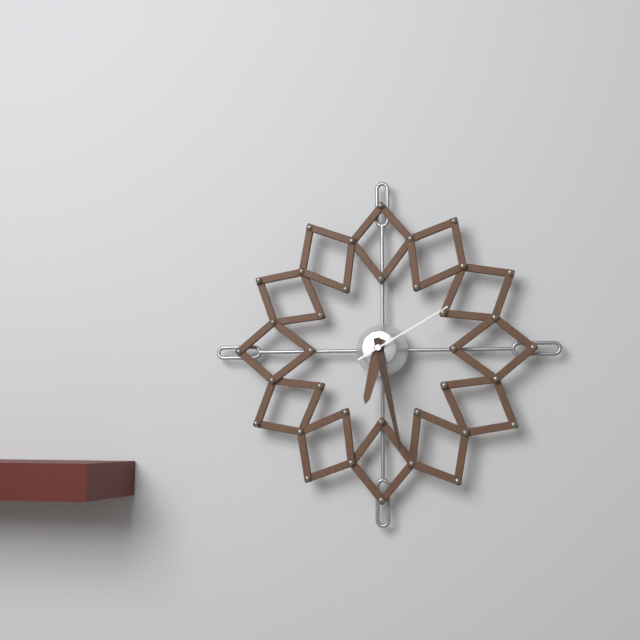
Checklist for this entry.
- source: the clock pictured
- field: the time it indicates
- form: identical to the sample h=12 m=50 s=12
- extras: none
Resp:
h=6 m=28 s=10
